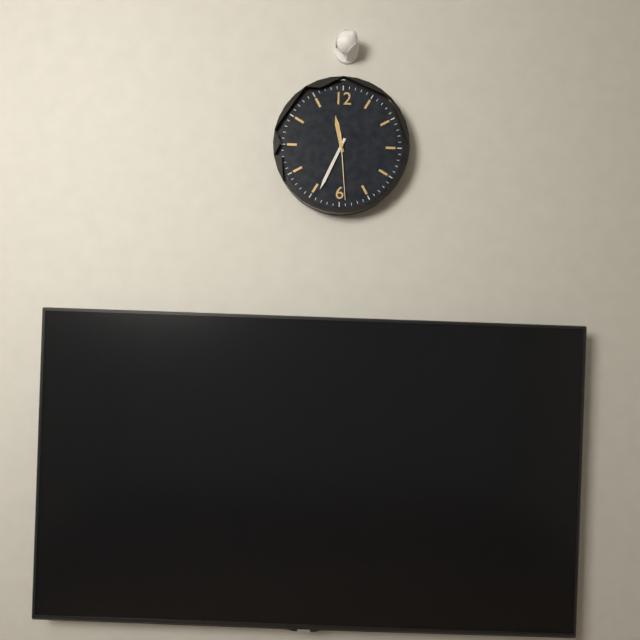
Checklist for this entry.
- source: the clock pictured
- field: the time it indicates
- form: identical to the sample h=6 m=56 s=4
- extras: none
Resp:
h=11 m=34 s=29
